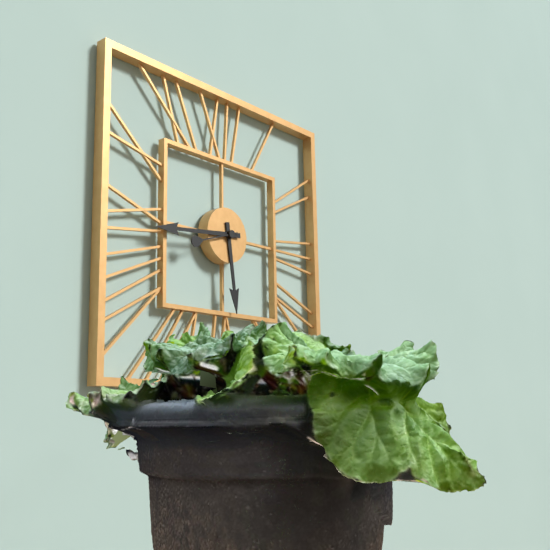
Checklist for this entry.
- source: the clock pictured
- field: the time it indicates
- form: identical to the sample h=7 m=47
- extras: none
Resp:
h=5 m=44
